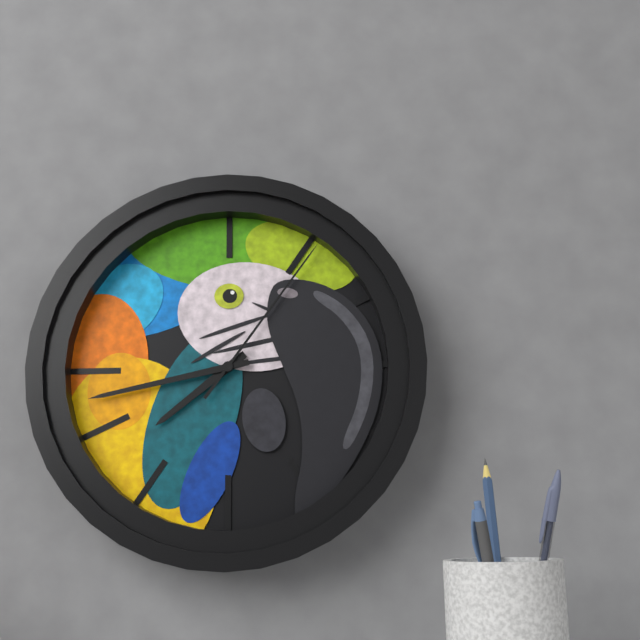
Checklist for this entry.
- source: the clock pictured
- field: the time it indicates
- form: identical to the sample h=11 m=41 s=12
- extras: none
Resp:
h=7 m=43 s=6
